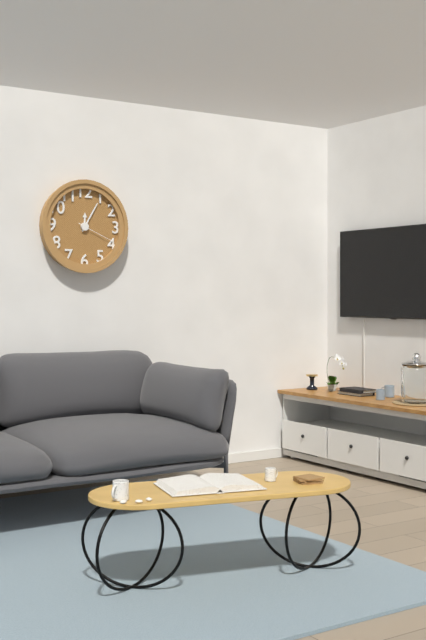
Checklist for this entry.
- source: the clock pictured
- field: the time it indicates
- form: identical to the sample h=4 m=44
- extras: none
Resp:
h=12 m=5
